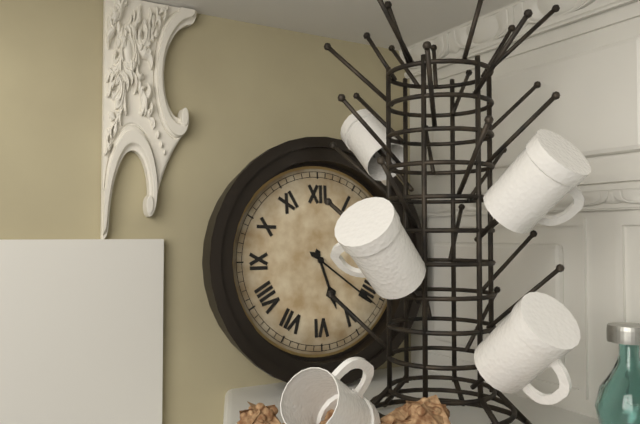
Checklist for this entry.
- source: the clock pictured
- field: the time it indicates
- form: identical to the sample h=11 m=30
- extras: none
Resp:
h=5 m=21
